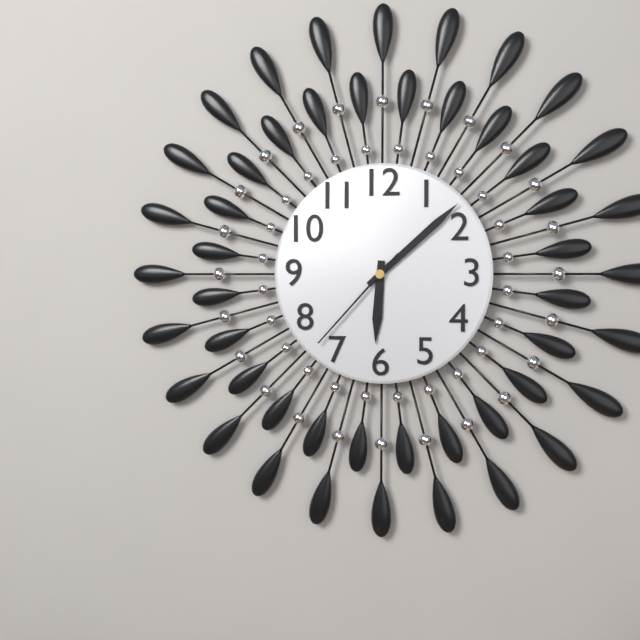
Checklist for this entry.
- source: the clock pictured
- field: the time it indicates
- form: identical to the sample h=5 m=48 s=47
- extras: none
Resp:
h=6 m=8 s=37
